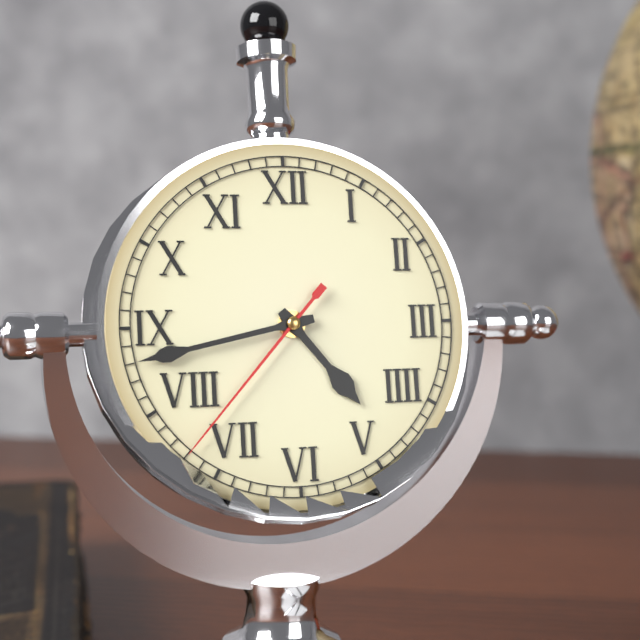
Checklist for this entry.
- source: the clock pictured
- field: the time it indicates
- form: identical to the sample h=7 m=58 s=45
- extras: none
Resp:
h=4 m=43 s=37
